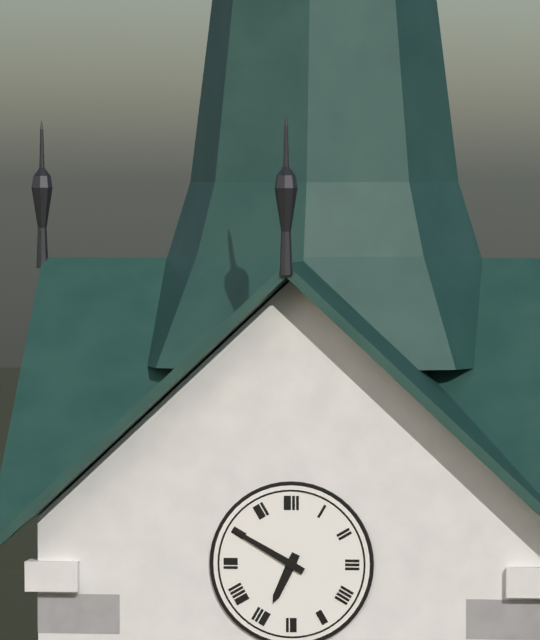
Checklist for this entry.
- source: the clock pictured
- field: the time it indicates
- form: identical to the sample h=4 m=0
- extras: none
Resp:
h=6 m=50
